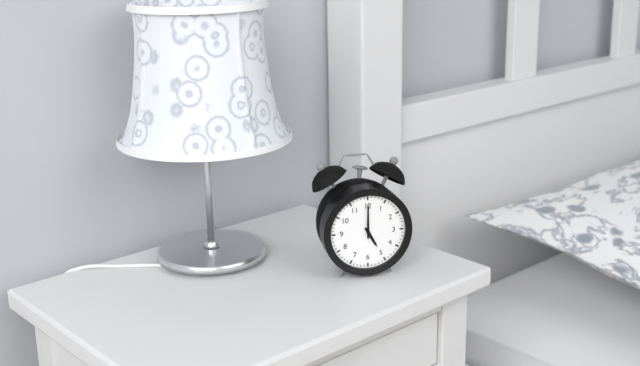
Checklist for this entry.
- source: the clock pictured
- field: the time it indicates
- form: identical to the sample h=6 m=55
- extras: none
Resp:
h=5 m=0
